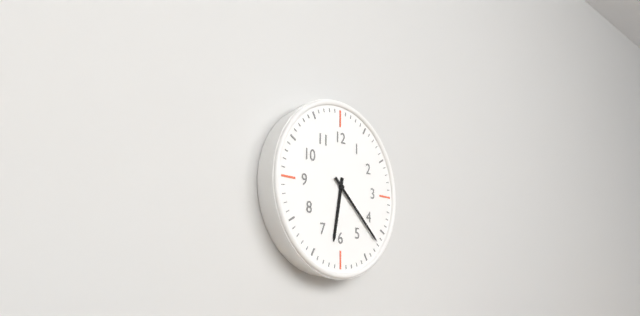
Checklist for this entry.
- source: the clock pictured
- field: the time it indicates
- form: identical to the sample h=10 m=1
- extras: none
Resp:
h=6 m=22
